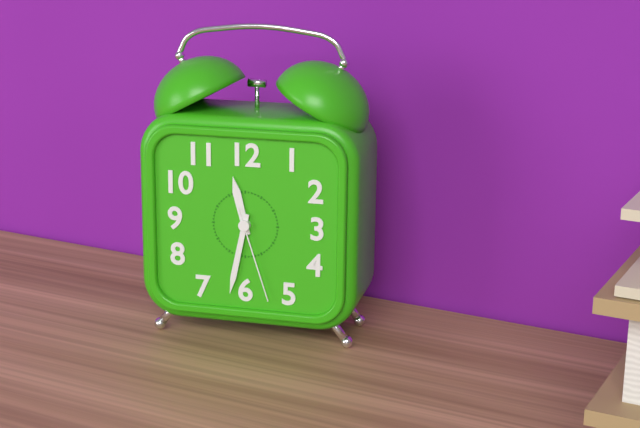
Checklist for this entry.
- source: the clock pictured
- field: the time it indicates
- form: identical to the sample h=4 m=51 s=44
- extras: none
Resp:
h=11 m=32 s=27
